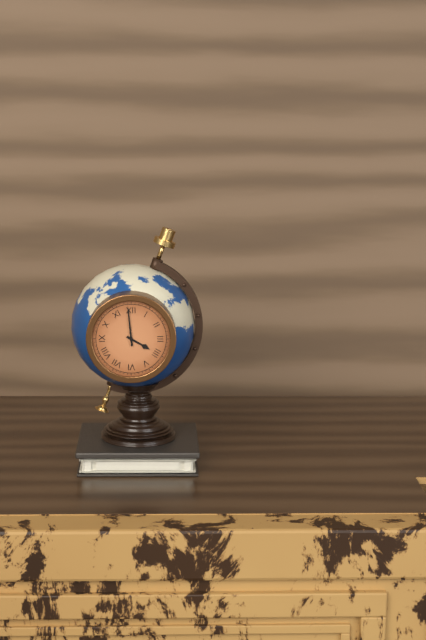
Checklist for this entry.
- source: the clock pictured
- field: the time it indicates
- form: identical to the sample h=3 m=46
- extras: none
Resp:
h=3 m=59
